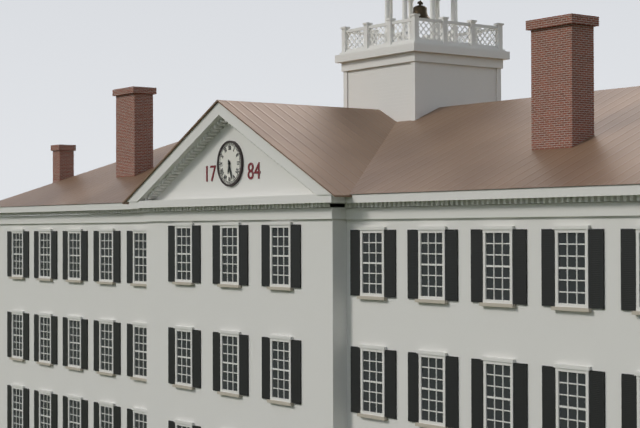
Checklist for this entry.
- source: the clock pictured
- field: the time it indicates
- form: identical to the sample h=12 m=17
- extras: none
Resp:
h=6 m=27
